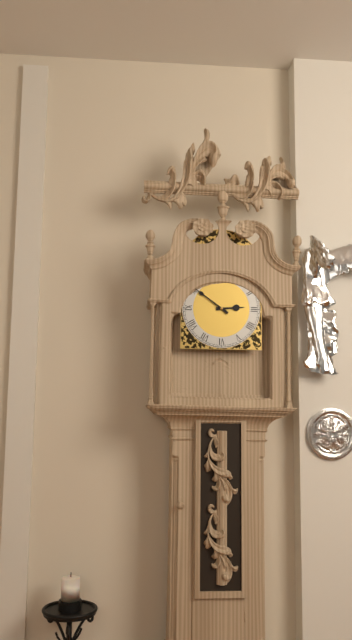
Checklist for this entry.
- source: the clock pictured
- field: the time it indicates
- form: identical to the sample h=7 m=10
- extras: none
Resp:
h=2 m=51
